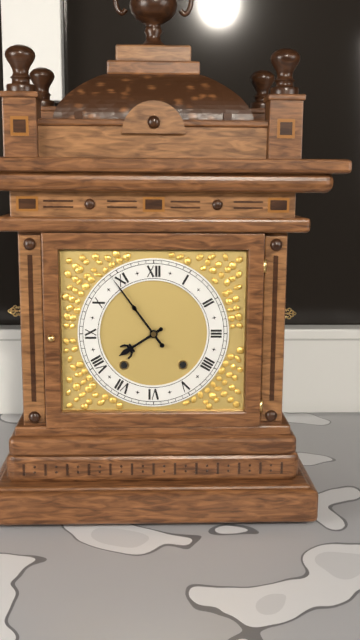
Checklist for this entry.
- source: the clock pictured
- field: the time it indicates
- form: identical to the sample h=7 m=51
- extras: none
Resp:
h=7 m=54
